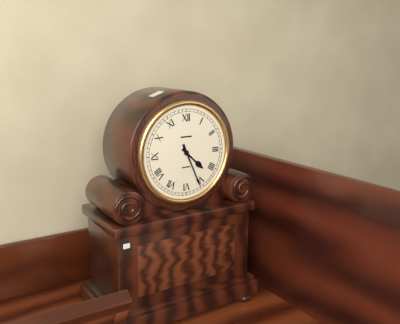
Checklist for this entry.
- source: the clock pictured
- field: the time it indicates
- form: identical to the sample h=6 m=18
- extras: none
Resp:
h=4 m=26
